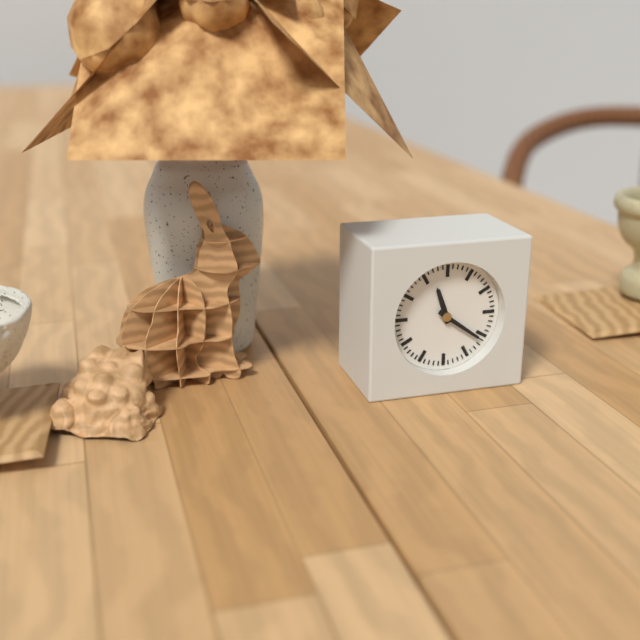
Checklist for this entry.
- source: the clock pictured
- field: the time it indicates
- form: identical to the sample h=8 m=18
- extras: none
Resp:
h=11 m=21
